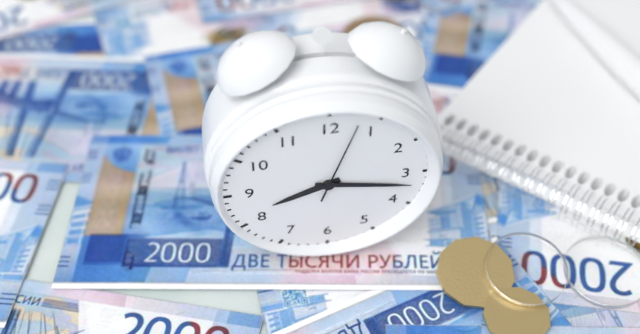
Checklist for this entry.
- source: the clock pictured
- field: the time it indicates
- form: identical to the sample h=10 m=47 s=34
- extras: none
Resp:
h=8 m=17 s=3
